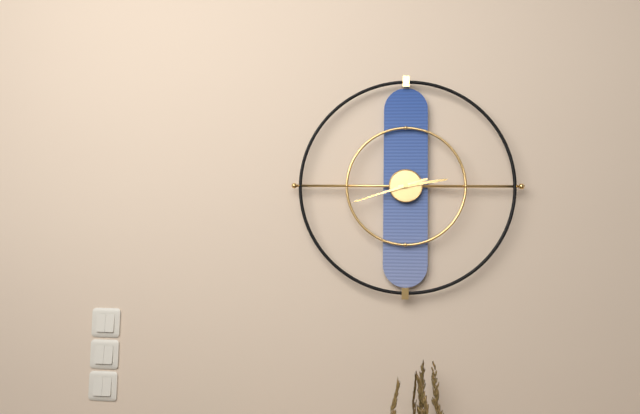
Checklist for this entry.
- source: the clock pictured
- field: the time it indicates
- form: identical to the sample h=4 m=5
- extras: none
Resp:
h=2 m=42
